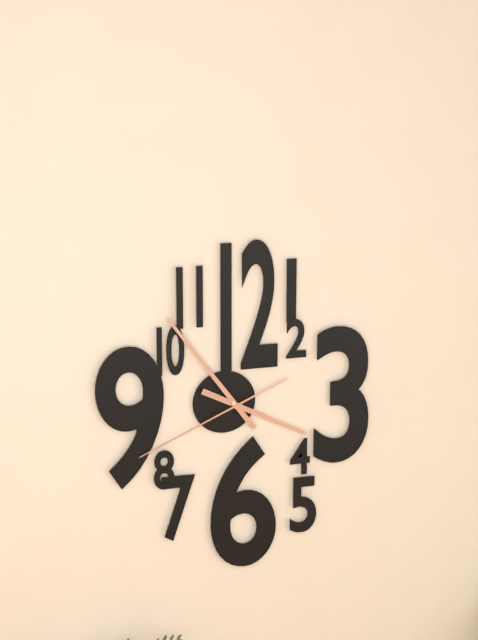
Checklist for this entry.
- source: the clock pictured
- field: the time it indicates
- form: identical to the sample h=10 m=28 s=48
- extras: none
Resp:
h=3 m=54 s=41
